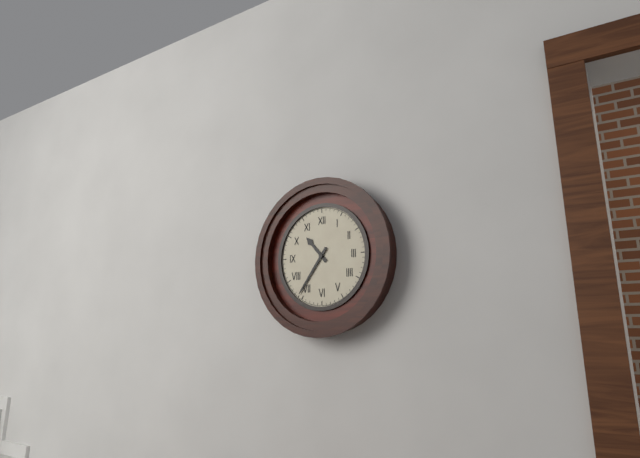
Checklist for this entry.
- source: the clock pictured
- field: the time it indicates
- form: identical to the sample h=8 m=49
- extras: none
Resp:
h=10 m=36
